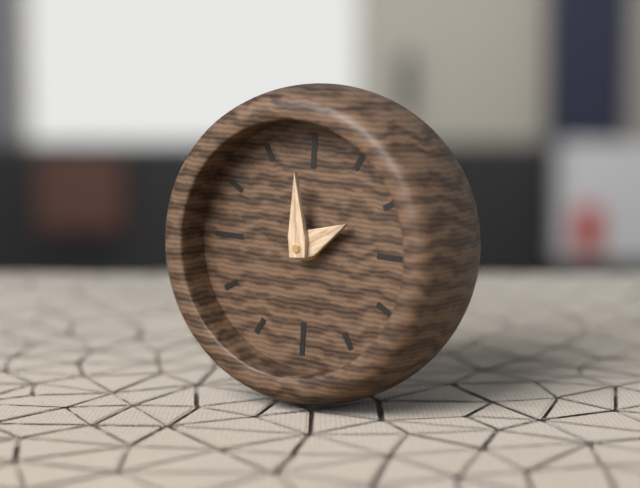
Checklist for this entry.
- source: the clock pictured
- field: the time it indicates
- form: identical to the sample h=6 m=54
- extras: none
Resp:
h=1 m=59
